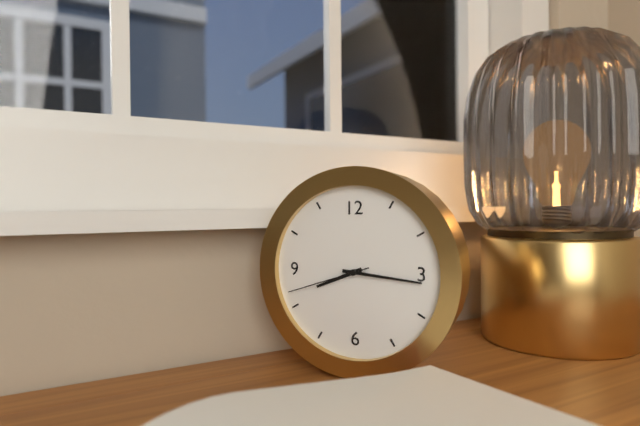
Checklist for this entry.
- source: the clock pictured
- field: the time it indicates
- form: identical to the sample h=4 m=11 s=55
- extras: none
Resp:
h=8 m=16 s=42
